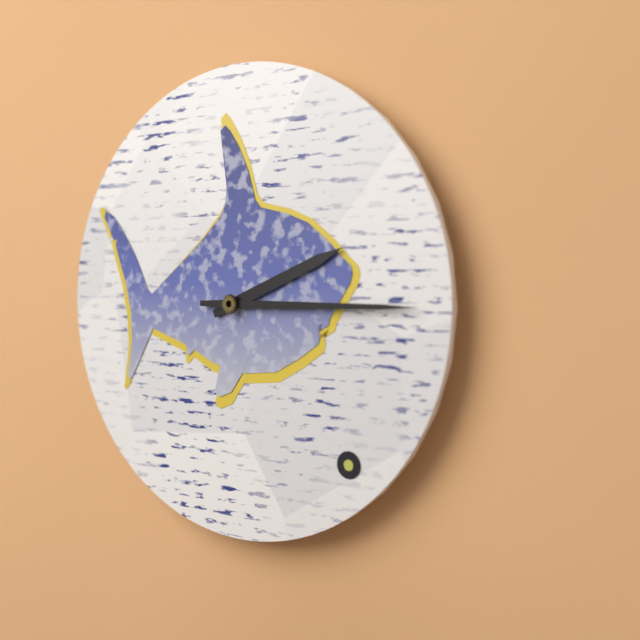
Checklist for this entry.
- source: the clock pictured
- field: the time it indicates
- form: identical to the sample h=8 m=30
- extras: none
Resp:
h=2 m=15
